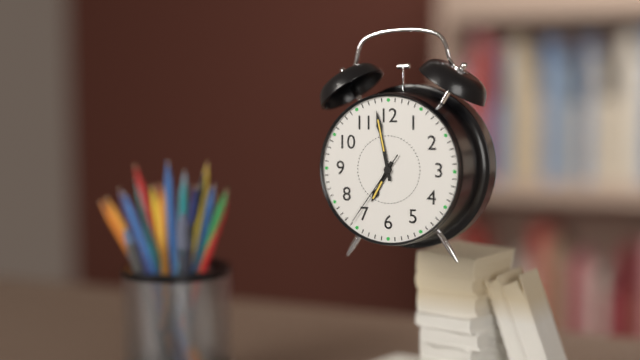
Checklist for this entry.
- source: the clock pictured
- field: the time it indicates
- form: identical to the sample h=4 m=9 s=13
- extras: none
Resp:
h=6 m=58 s=36
